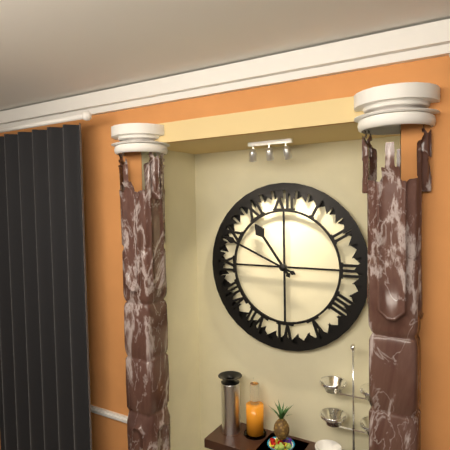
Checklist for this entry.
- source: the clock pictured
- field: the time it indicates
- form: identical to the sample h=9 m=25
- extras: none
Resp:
h=10 m=49
